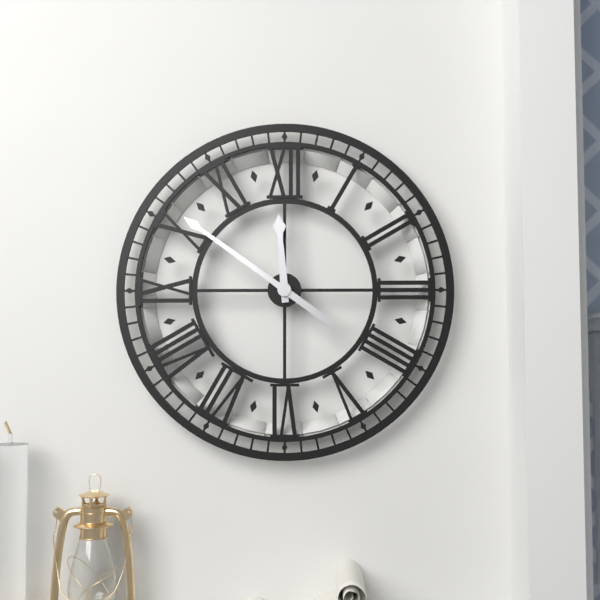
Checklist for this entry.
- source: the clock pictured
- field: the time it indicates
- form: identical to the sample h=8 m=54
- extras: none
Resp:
h=11 m=51
